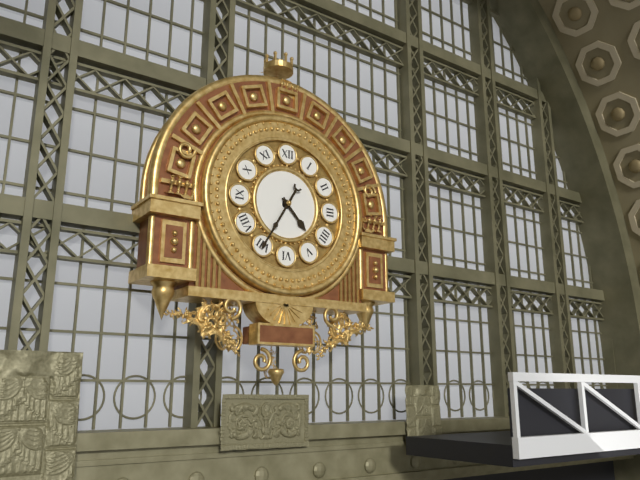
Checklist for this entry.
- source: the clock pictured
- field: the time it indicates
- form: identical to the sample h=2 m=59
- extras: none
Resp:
h=4 m=35
